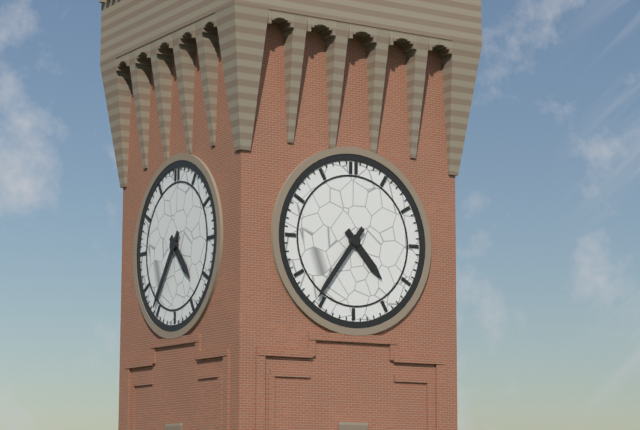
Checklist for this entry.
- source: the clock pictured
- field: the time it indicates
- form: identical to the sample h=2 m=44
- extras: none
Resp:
h=4 m=36
